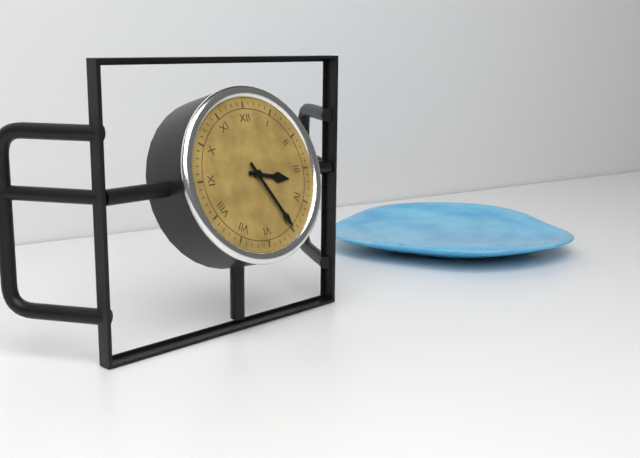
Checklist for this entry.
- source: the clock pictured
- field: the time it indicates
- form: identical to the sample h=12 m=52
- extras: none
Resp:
h=3 m=25
